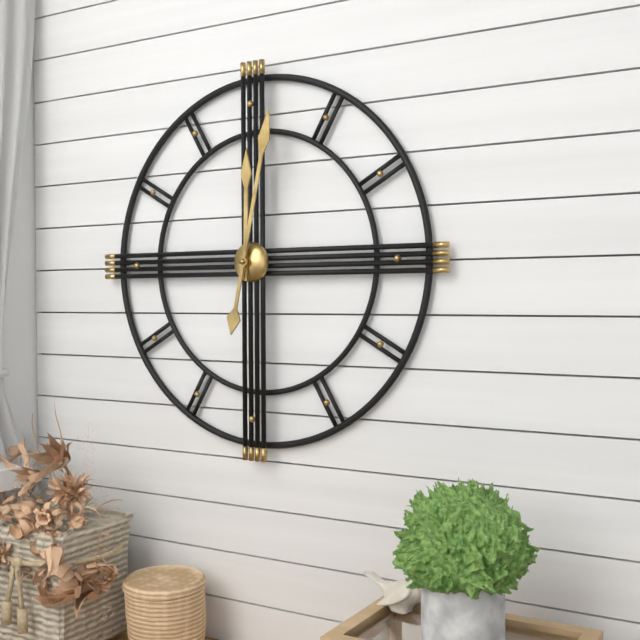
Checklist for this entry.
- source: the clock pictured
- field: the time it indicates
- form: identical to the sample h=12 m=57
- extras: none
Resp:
h=12 m=2
